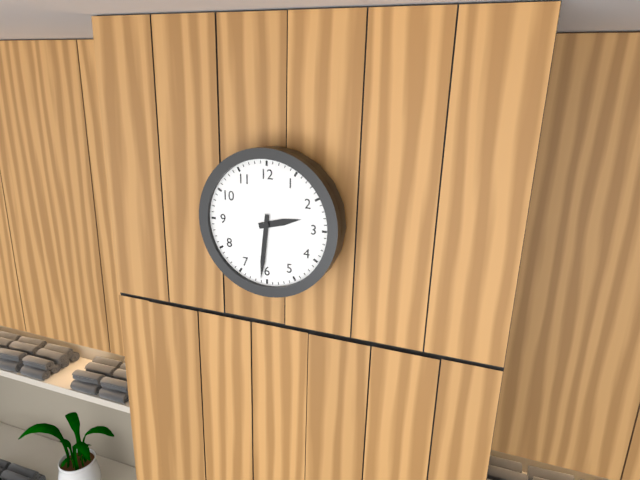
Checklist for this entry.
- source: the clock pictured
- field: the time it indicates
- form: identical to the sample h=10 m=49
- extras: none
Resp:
h=2 m=31
